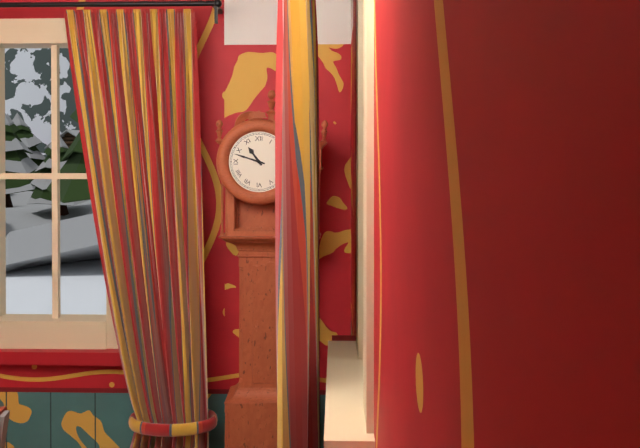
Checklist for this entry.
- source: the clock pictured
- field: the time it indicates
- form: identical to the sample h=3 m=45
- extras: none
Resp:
h=10 m=48
